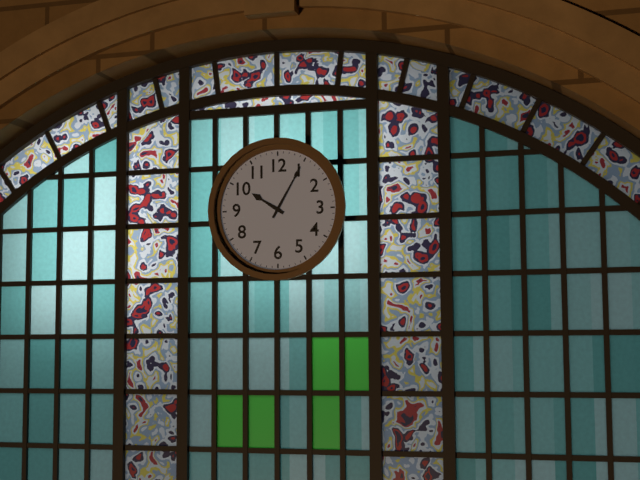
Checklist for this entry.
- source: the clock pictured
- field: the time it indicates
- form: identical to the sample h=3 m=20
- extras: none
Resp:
h=10 m=5
